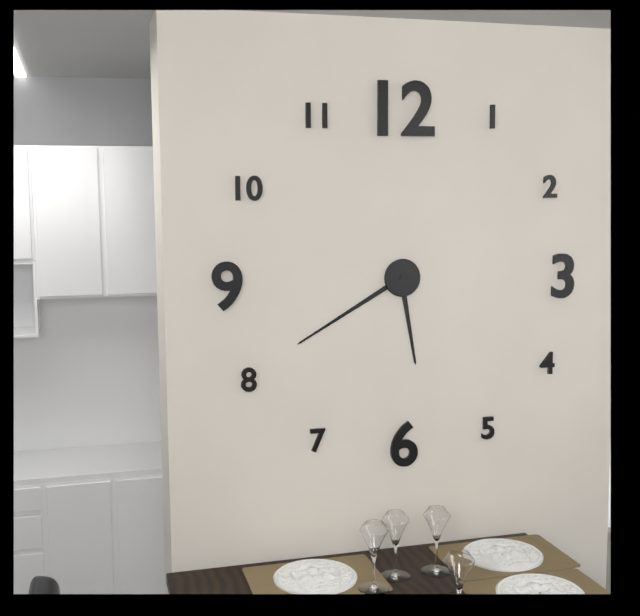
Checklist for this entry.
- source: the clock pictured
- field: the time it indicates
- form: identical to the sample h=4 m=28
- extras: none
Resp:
h=5 m=40
